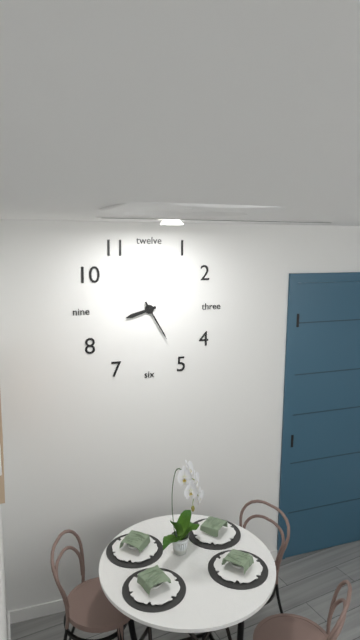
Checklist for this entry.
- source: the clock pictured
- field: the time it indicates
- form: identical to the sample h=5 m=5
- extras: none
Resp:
h=8 m=25
